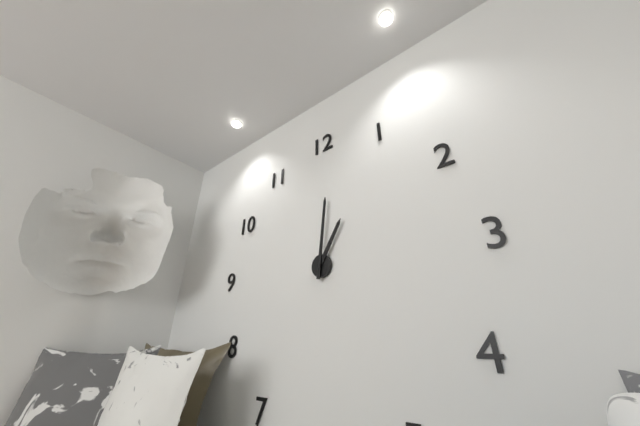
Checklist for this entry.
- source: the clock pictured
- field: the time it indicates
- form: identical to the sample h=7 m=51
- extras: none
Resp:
h=1 m=1
